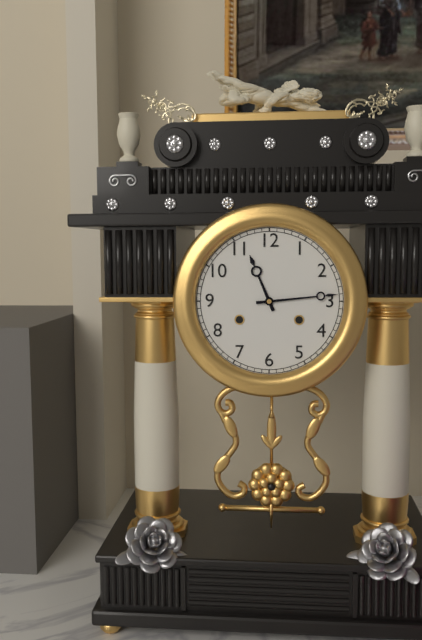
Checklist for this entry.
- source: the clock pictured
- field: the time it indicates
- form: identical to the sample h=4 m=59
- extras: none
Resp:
h=11 m=14
